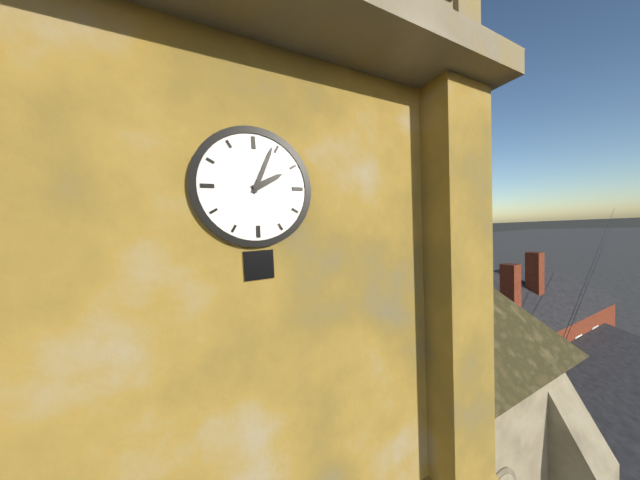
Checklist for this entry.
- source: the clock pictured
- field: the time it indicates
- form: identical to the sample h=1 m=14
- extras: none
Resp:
h=2 m=4
